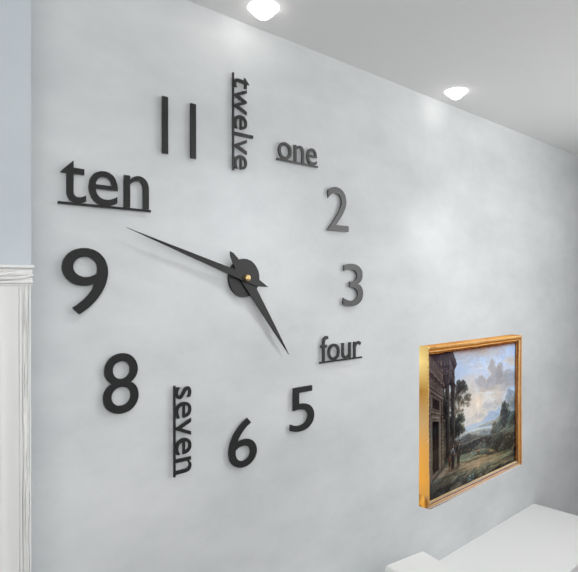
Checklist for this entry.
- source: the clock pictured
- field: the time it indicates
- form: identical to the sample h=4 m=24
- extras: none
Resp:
h=4 m=48
